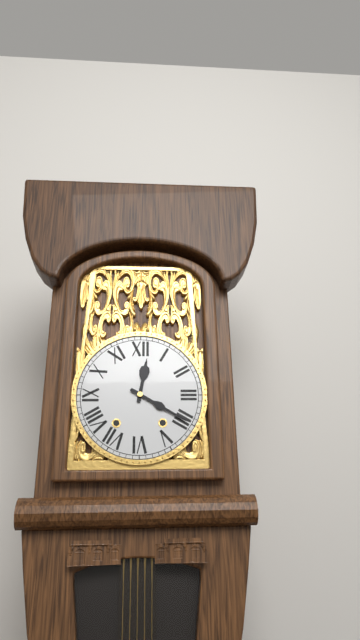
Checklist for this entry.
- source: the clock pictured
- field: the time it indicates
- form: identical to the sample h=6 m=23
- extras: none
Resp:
h=12 m=20
